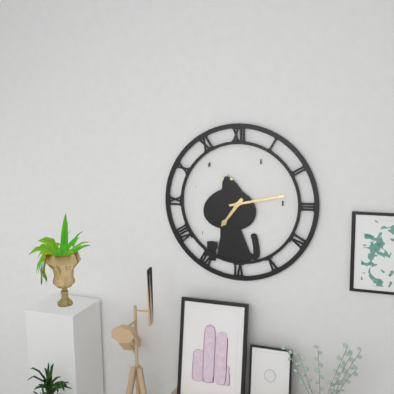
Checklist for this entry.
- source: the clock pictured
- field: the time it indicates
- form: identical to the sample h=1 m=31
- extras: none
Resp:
h=7 m=13
